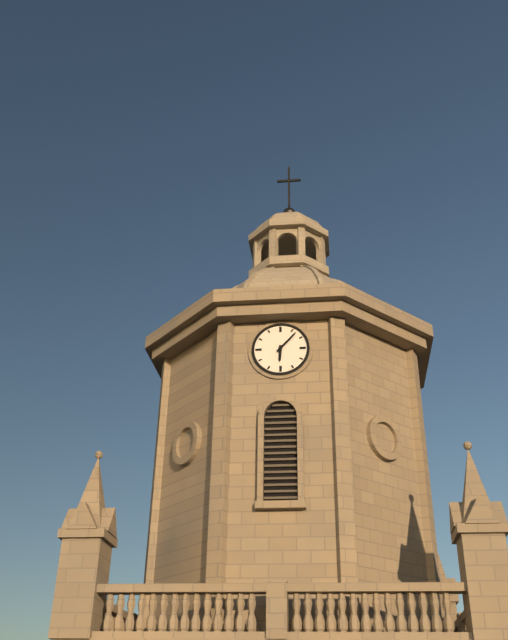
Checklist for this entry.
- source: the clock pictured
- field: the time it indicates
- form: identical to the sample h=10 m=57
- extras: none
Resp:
h=6 m=7
